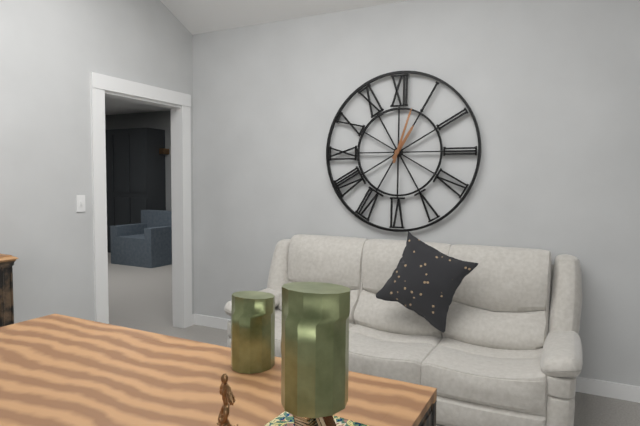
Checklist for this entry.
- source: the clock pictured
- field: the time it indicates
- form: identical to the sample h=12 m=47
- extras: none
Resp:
h=1 m=3
